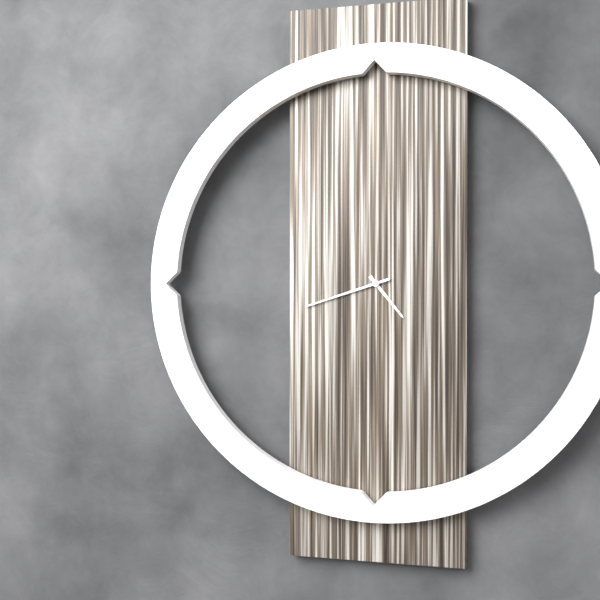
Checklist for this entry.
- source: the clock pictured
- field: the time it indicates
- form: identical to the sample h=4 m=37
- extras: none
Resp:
h=4 m=42
